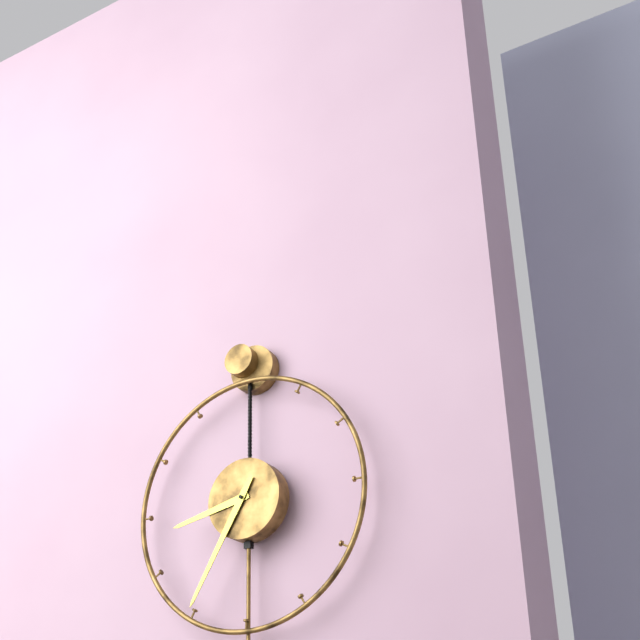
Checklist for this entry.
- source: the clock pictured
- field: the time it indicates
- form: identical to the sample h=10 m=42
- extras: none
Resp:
h=8 m=35
